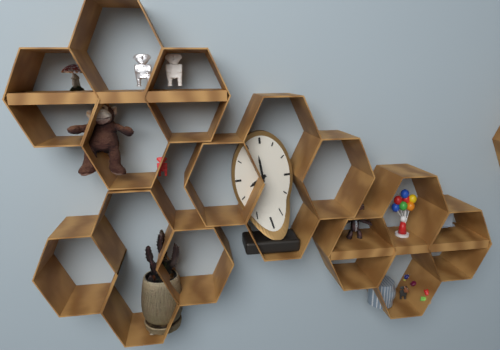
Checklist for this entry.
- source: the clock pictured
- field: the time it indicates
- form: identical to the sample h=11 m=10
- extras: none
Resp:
h=7 m=59
